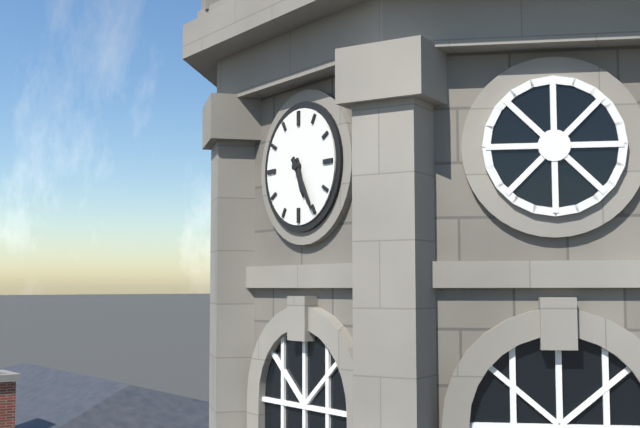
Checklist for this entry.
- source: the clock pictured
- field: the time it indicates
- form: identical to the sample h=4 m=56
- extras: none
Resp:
h=5 m=25
